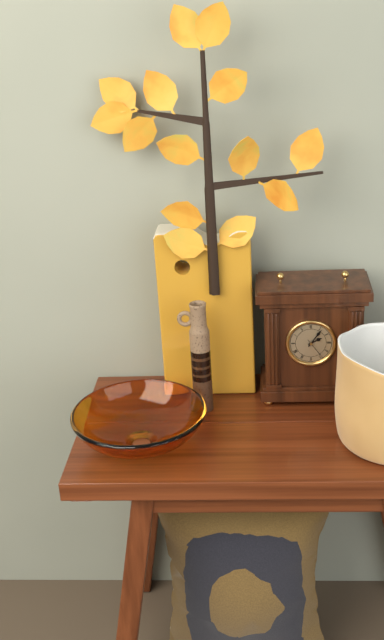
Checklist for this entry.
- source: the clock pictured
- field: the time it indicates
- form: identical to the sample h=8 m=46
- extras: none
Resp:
h=2 m=6
